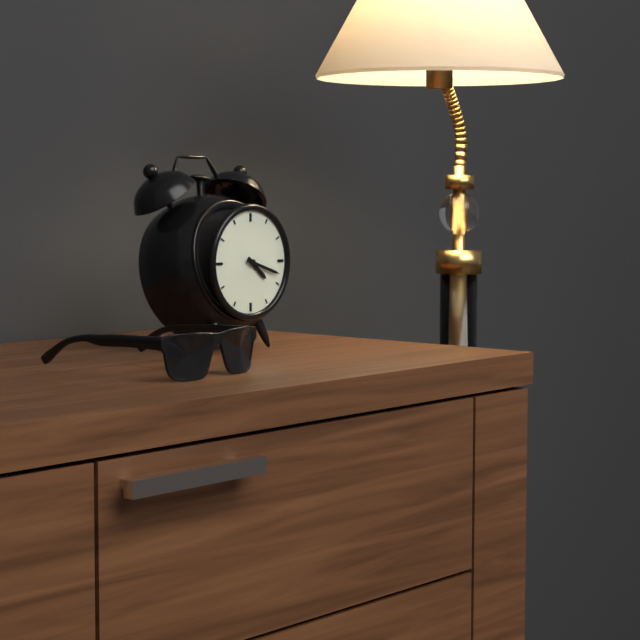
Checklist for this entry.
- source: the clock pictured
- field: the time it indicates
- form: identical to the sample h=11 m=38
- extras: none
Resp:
h=4 m=18
